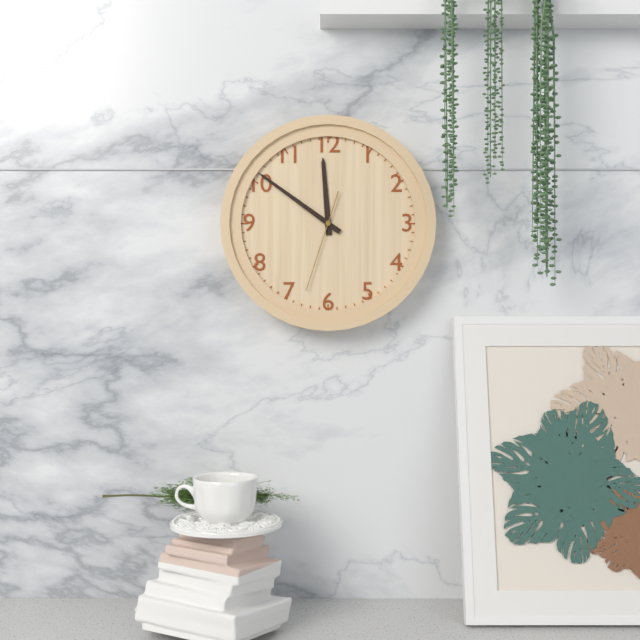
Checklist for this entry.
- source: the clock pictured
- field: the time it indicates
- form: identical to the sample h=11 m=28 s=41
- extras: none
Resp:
h=11 m=51 s=33
